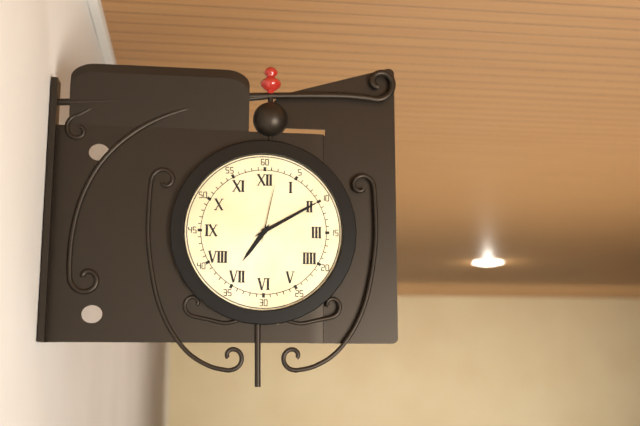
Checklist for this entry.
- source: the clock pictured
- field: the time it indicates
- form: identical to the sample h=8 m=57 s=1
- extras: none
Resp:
h=7 m=10 s=2
